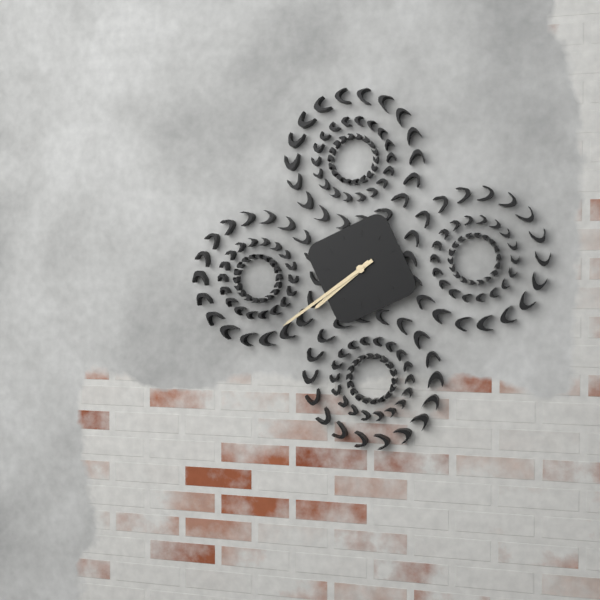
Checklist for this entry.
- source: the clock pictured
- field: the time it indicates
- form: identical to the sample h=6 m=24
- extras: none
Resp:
h=7 m=39
